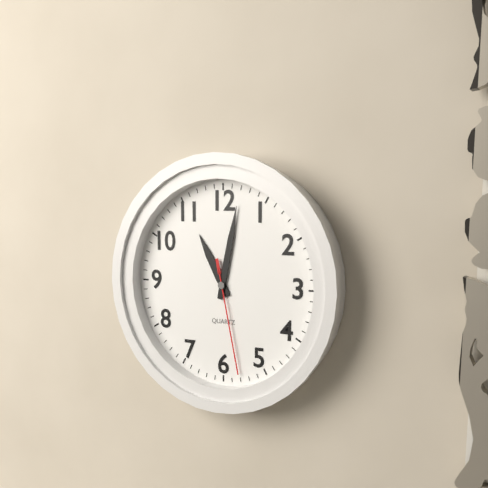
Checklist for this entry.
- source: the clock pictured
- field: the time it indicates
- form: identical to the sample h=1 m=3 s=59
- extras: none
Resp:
h=11 m=2 s=28
